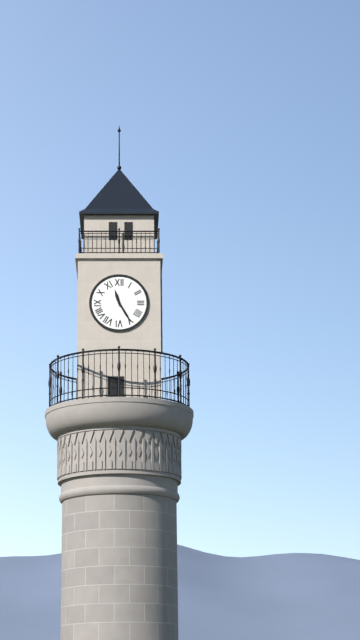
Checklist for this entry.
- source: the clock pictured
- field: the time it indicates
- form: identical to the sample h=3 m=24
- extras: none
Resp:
h=11 m=25
